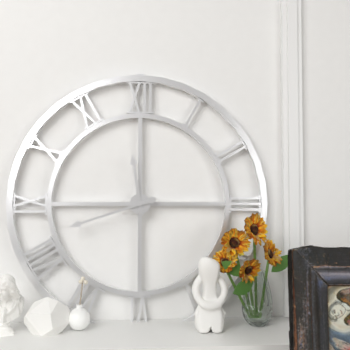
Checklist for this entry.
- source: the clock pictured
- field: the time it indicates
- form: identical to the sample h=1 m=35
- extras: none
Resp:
h=11 m=42
